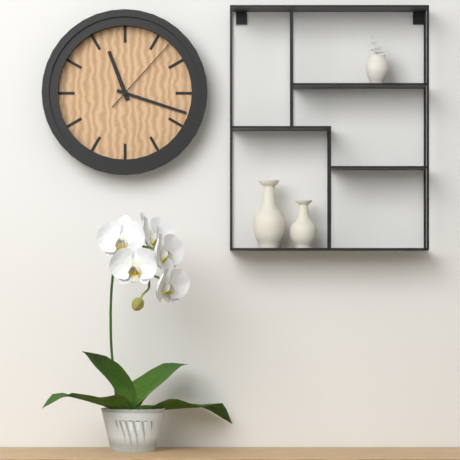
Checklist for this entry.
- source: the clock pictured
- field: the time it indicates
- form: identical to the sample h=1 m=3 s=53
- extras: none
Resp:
h=11 m=18 s=7
